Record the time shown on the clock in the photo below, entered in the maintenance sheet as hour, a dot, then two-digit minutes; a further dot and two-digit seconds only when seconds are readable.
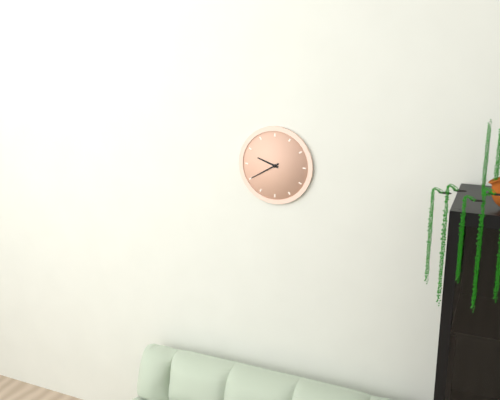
9.40
